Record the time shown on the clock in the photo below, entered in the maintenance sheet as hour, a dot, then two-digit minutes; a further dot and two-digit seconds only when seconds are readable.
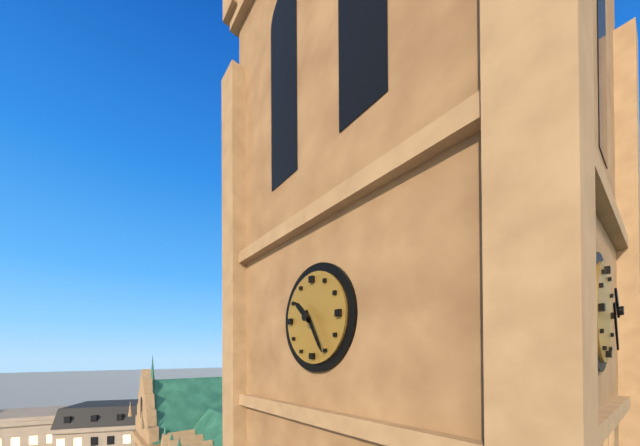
10.25
